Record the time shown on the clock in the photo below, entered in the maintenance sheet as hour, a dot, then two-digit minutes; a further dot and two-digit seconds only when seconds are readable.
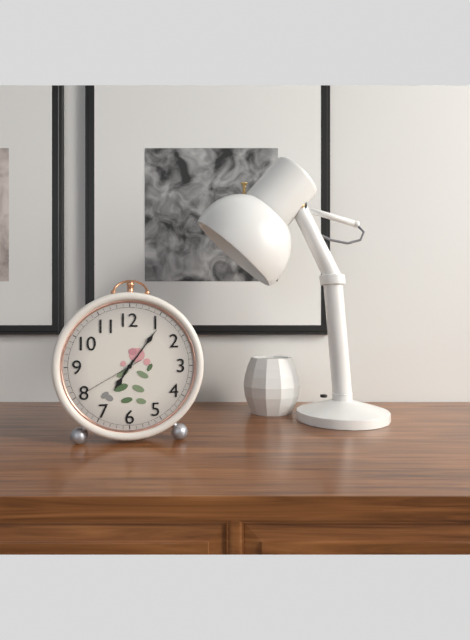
7.06.40
